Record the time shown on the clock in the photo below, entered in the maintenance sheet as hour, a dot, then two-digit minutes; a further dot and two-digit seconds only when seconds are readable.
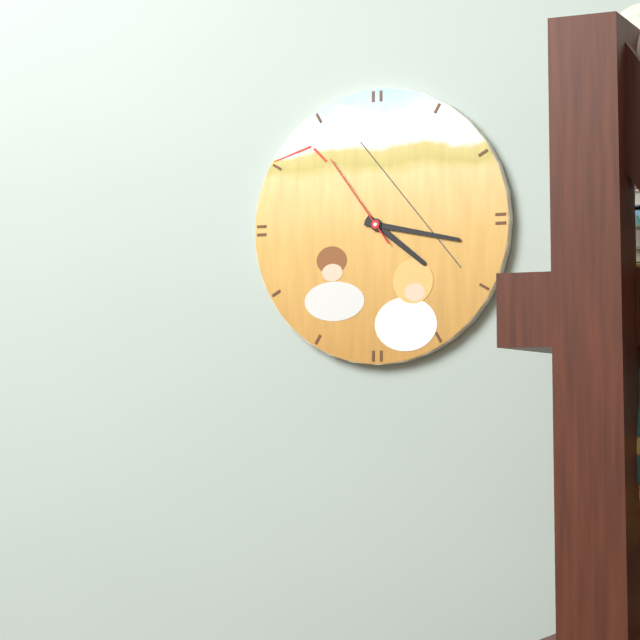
4.17.54
